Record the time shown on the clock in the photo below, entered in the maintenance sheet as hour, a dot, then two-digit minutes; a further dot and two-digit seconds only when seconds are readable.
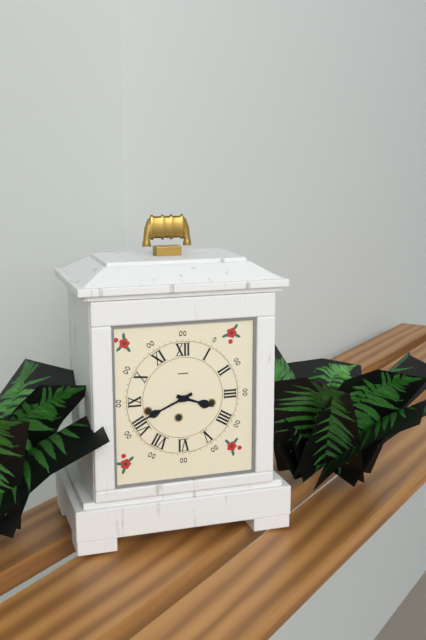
3.41
